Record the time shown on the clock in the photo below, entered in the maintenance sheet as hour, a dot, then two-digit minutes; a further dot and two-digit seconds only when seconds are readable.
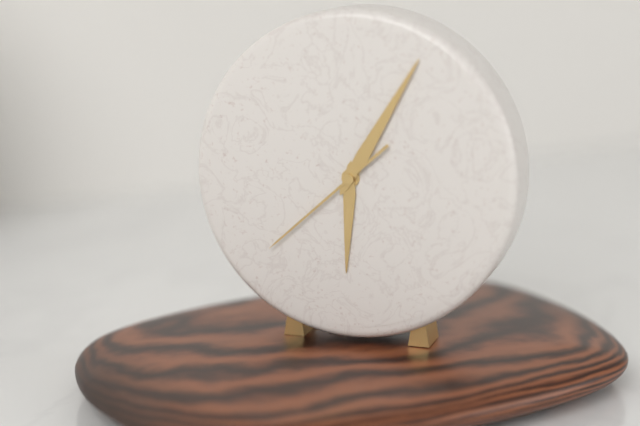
6.05.38
